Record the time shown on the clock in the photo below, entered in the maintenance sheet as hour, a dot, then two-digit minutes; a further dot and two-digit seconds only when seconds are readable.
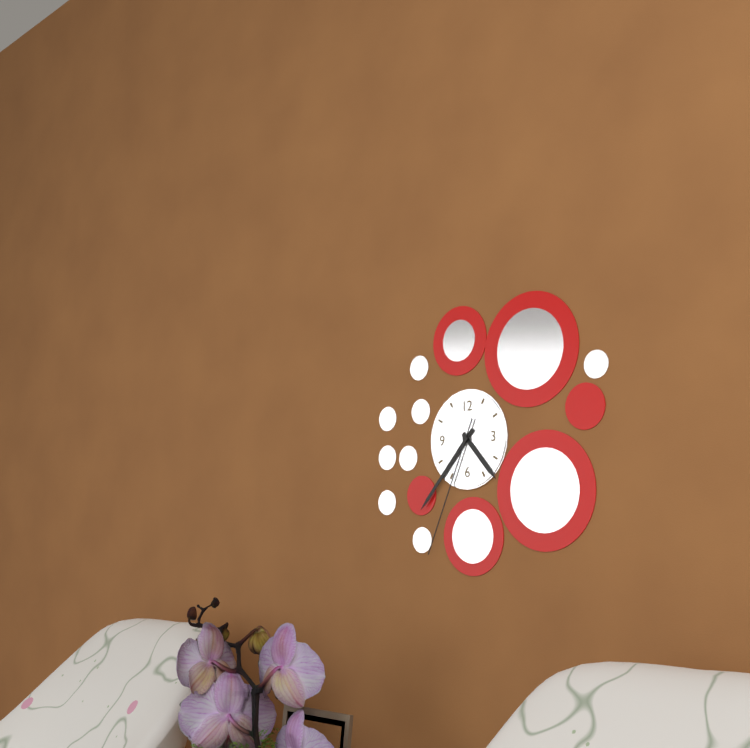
4.37.34
